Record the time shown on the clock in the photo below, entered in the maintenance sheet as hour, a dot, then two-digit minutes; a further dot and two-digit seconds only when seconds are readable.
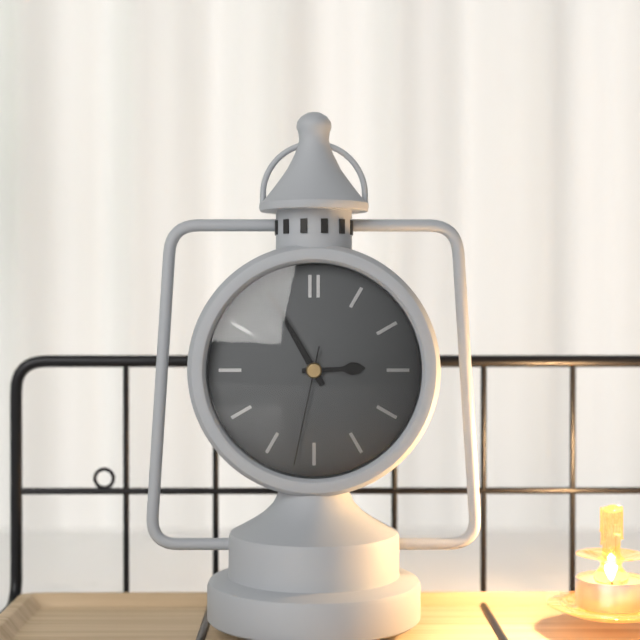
2.55.32
